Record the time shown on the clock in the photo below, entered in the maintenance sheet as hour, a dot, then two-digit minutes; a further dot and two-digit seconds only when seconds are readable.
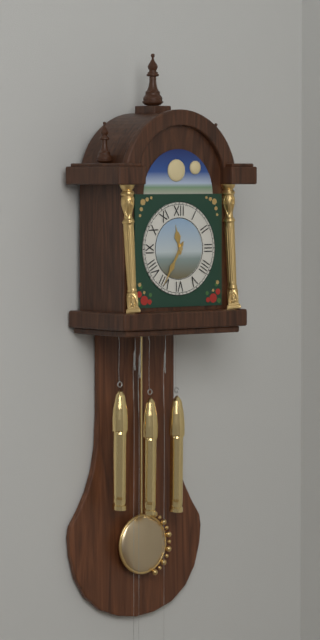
11.35
